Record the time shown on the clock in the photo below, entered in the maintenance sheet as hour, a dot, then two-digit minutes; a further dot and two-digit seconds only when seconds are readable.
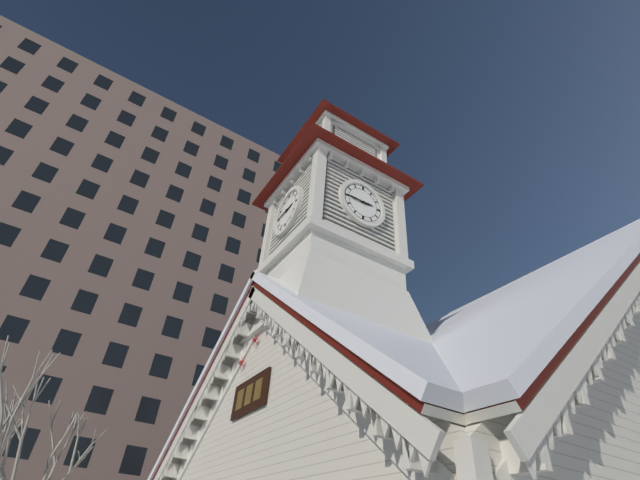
2.45
